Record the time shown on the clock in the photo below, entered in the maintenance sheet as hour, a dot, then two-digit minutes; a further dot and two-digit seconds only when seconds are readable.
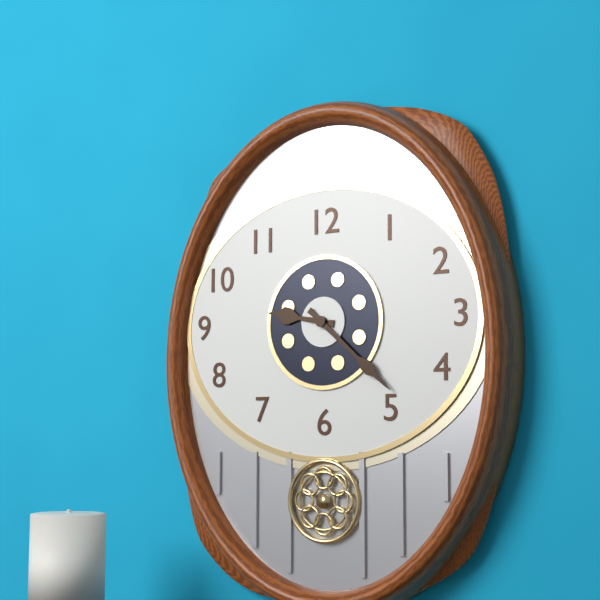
9.22
